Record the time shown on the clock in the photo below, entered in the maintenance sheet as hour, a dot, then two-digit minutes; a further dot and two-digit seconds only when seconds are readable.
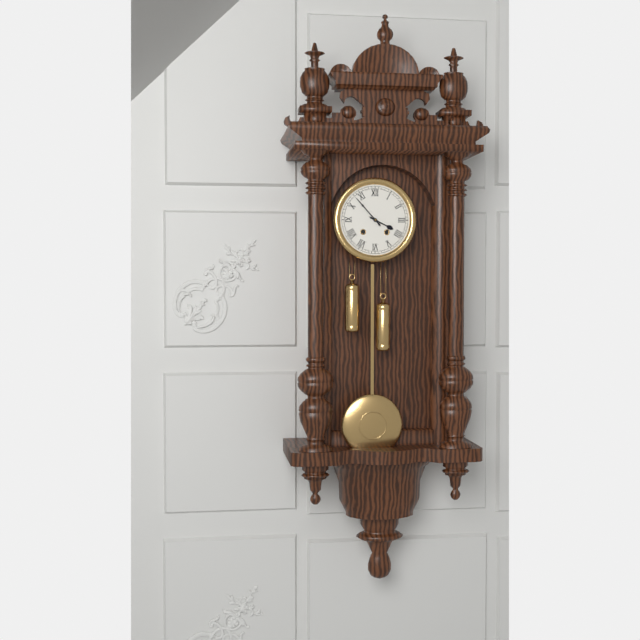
3.53
